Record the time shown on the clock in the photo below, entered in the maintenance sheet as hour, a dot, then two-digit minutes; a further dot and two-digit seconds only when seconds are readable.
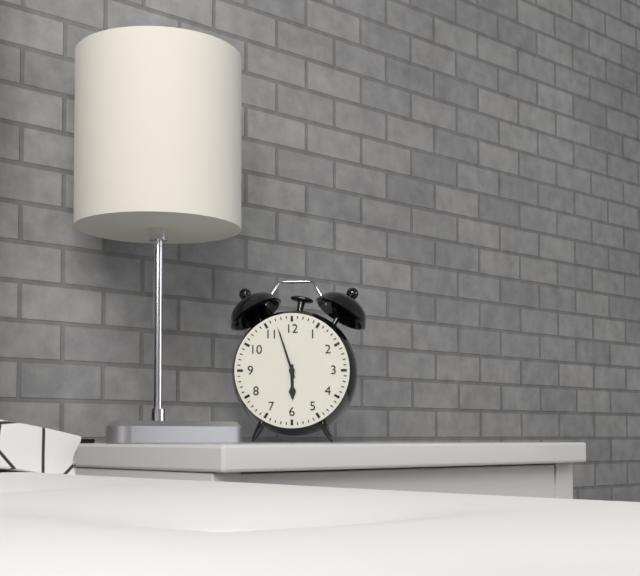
5.57
